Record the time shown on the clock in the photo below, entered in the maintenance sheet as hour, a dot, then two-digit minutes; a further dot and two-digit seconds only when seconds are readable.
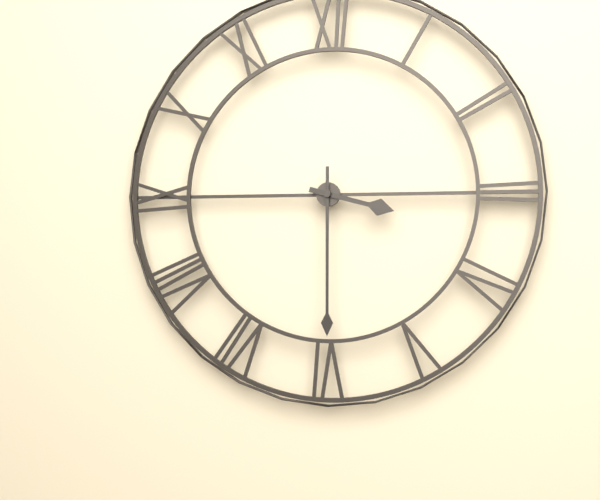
3.30
